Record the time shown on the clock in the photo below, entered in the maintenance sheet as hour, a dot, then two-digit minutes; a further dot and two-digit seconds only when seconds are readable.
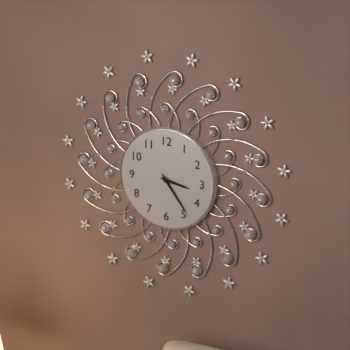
3.24
